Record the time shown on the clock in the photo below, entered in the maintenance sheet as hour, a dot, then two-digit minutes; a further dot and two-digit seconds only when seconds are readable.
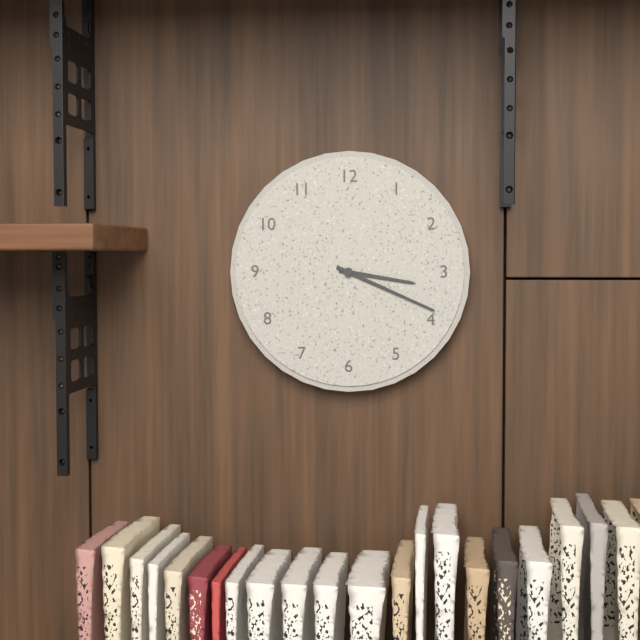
3.19
